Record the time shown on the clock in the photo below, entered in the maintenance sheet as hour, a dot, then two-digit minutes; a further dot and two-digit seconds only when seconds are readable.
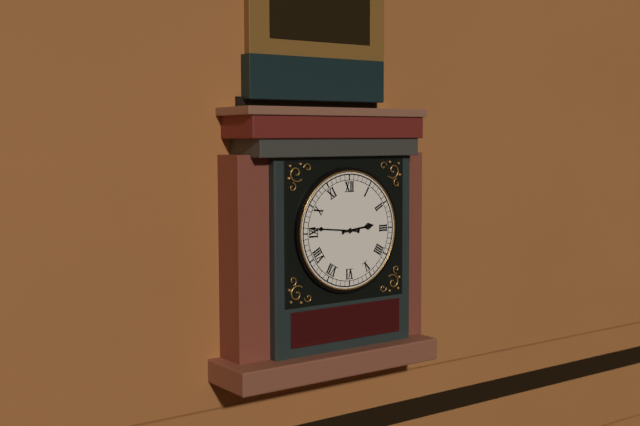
2.46
